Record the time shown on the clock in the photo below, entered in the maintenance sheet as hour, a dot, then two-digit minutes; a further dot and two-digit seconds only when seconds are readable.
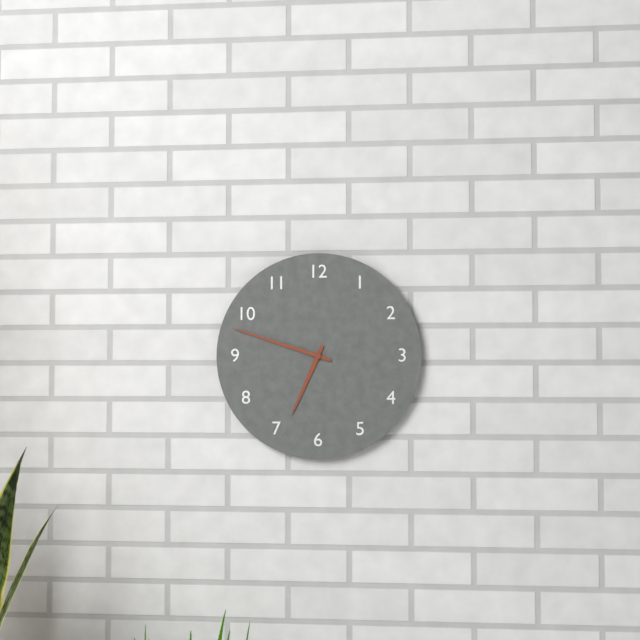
6.48
